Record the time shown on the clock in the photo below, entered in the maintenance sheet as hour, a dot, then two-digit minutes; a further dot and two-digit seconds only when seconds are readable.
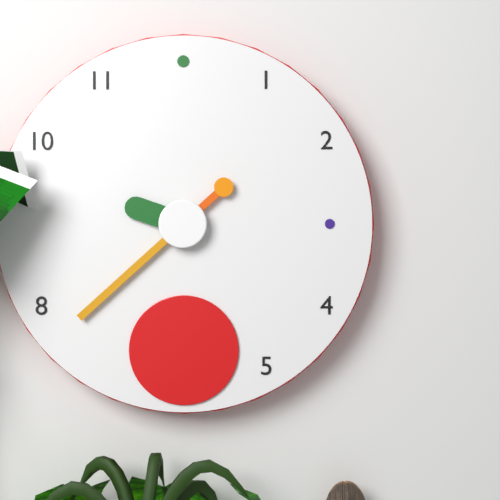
9.38
